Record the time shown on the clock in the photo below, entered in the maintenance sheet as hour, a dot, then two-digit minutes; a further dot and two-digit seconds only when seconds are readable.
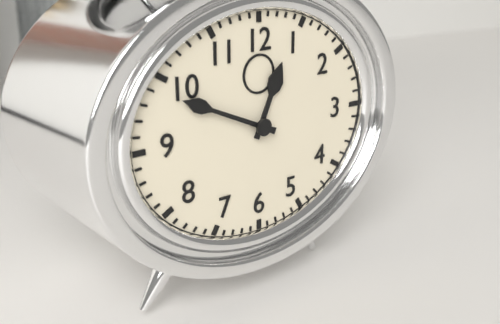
12.49
